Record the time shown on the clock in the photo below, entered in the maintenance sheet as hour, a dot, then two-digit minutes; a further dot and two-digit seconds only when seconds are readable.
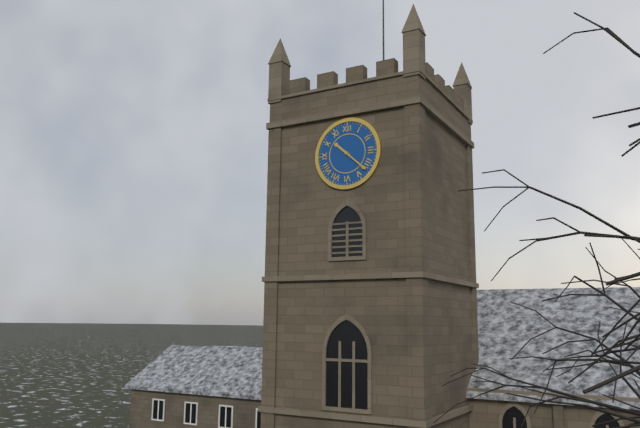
10.22
